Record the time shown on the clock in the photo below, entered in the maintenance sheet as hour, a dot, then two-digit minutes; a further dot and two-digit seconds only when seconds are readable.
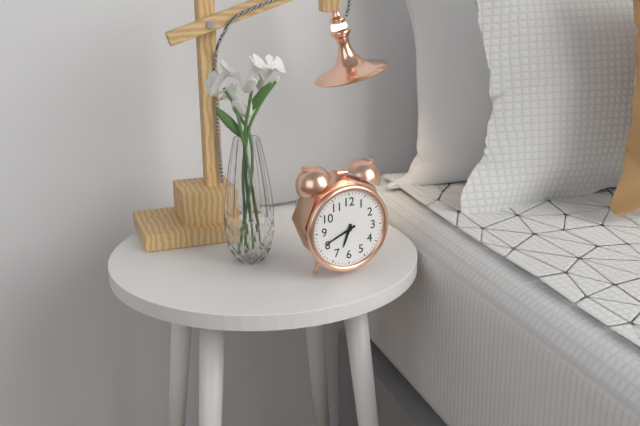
6.41
